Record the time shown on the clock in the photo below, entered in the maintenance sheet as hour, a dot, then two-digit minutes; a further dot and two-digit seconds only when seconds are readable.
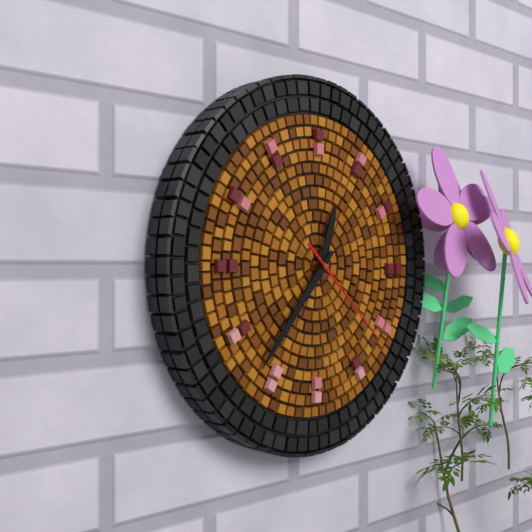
12.37.22
